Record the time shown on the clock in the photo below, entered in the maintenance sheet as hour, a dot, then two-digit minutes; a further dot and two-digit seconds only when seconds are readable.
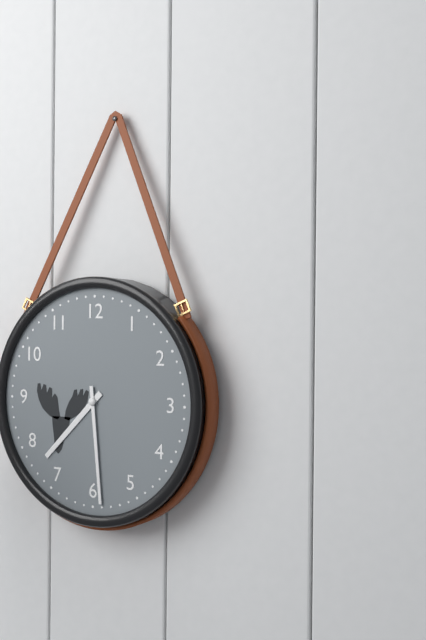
7.29
